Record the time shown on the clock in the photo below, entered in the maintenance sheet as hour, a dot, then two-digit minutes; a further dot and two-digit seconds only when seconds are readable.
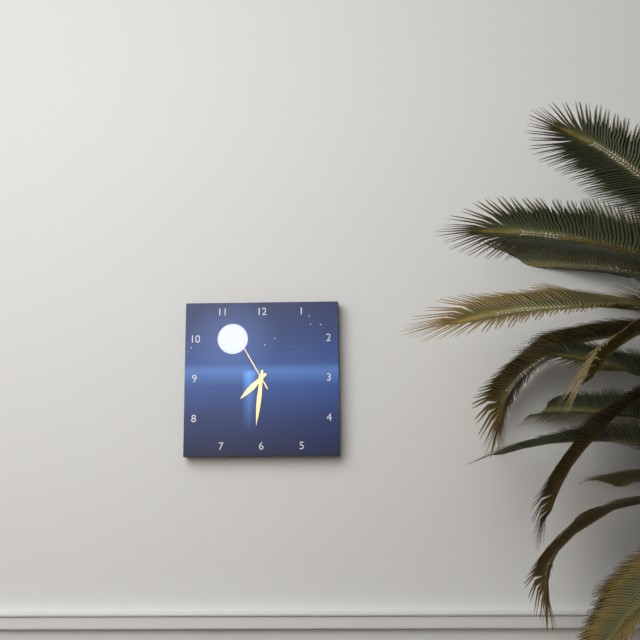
7.31.55
